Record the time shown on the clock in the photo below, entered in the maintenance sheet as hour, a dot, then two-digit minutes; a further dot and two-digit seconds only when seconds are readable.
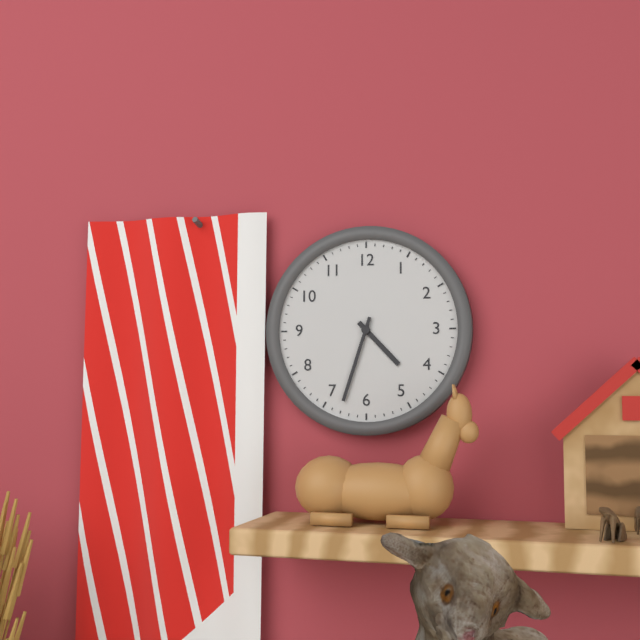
4.33
